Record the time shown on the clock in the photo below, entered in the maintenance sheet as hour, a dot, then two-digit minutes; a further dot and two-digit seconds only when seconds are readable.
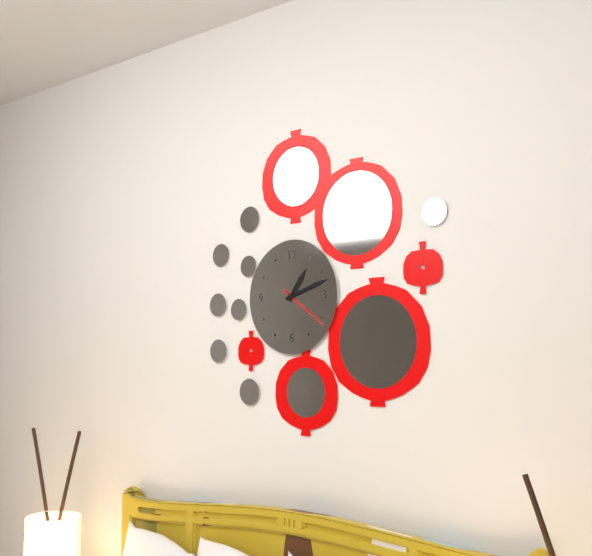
1.12.21
